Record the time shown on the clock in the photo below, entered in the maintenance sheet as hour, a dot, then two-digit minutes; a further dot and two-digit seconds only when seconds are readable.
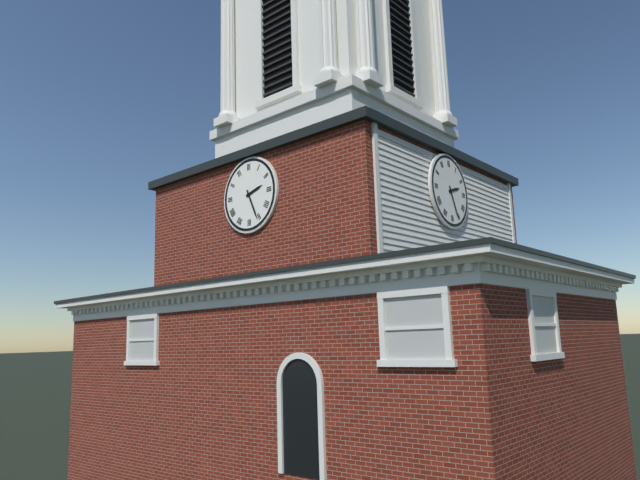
2.26
